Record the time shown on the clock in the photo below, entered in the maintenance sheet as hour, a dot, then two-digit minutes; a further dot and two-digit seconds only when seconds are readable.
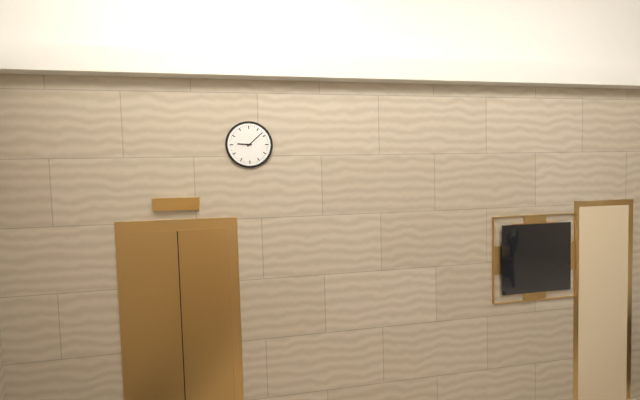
9.08
